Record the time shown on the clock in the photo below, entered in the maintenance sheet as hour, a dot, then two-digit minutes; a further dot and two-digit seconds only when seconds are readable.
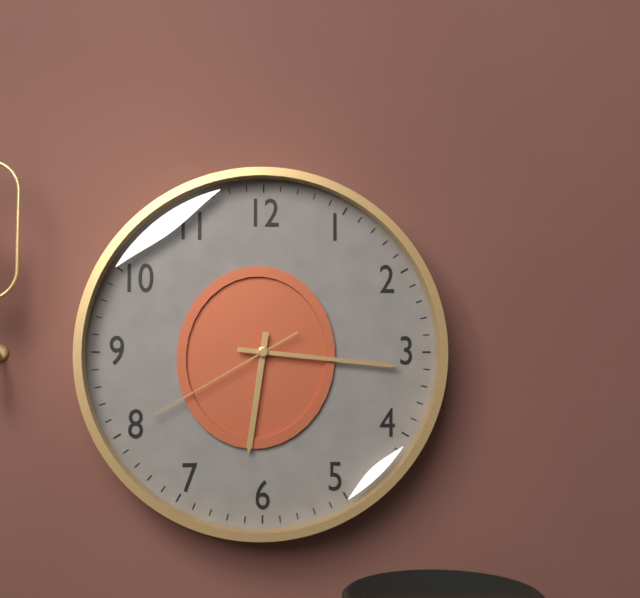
6.16.40
